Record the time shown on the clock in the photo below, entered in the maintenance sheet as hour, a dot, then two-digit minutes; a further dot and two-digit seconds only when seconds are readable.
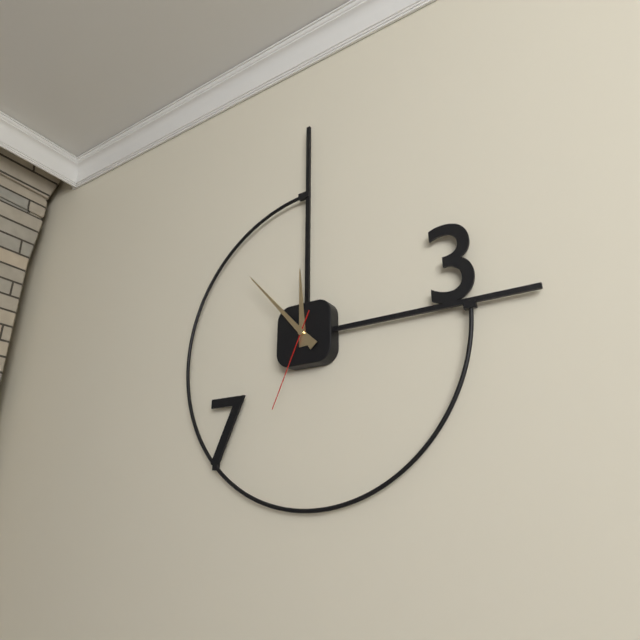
11.53.34
